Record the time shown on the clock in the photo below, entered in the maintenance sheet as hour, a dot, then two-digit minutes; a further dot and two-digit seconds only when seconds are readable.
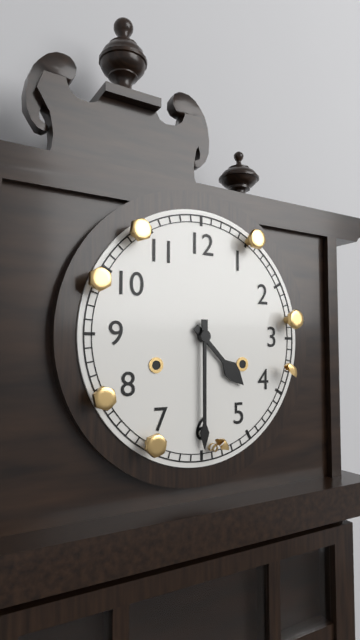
4.30
